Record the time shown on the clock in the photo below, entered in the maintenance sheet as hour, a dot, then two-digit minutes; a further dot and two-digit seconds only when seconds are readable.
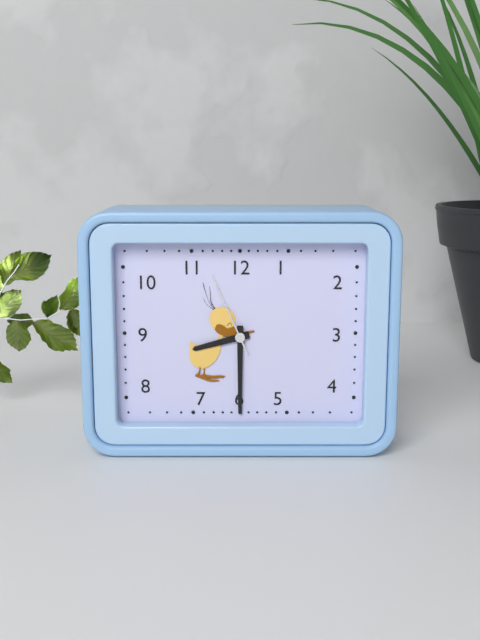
8.30.56
